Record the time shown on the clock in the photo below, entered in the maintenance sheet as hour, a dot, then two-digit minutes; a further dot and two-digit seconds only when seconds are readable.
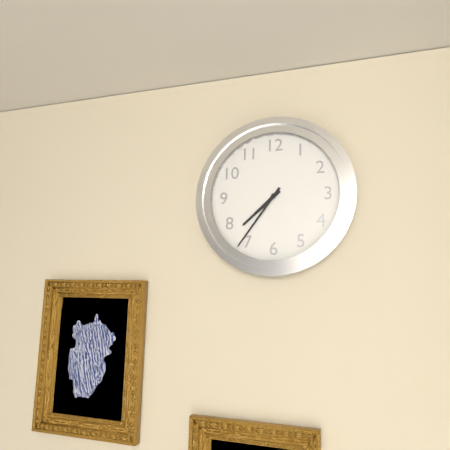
7.36
